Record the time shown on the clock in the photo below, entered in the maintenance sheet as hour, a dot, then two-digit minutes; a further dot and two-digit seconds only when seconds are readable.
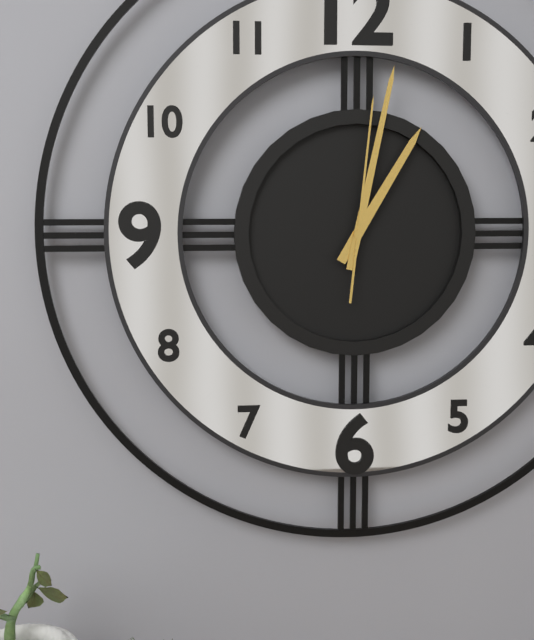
1.02.01
